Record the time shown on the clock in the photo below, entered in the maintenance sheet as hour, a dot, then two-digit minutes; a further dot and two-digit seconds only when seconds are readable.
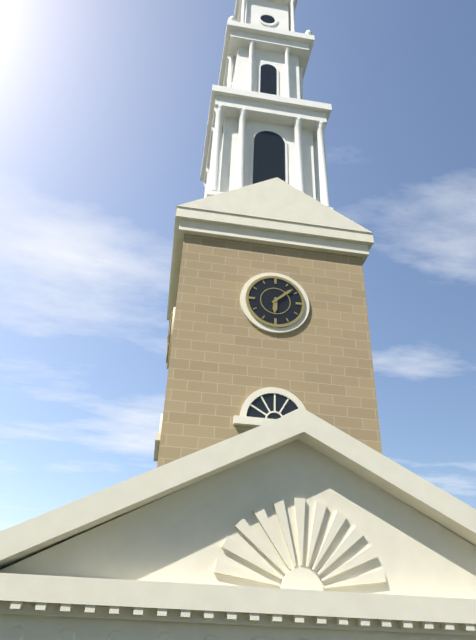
6.08
